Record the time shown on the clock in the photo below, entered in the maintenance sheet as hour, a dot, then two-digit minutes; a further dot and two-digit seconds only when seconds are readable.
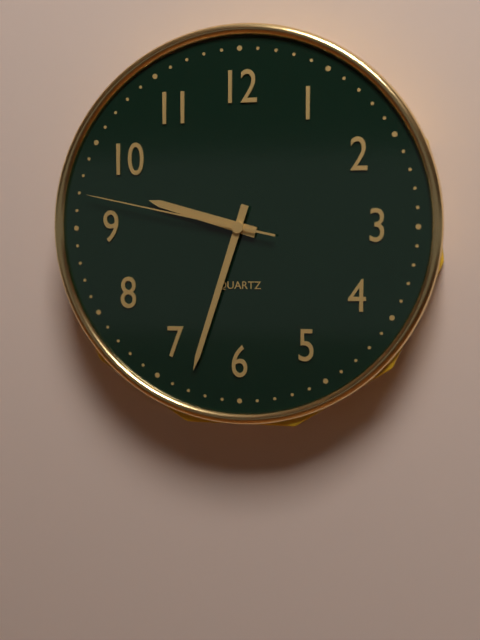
9.33.47
